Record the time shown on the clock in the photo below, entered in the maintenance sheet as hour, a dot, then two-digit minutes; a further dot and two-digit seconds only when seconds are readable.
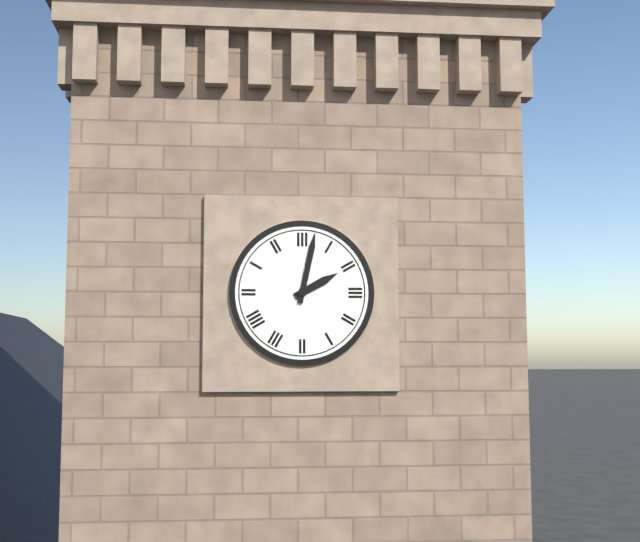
2.02
